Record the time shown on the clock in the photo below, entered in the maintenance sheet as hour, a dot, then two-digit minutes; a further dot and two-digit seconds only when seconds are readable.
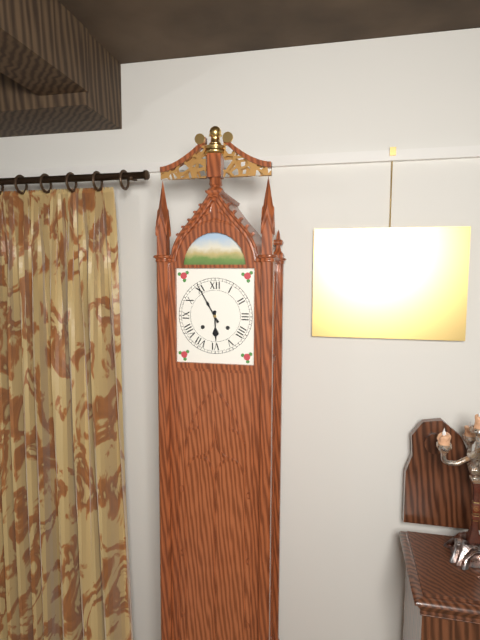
5.55
